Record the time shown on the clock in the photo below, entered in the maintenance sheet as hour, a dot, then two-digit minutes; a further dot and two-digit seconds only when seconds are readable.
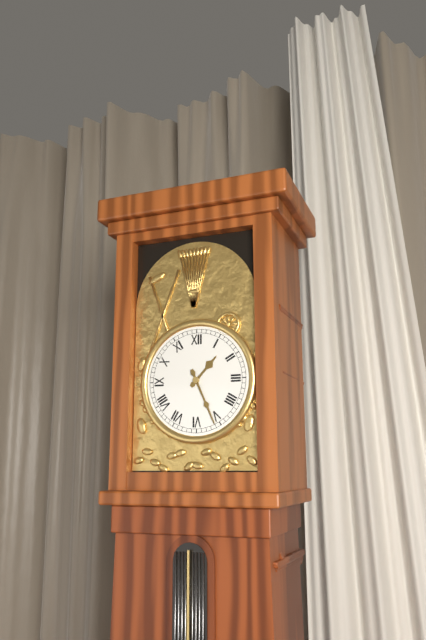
1.26
